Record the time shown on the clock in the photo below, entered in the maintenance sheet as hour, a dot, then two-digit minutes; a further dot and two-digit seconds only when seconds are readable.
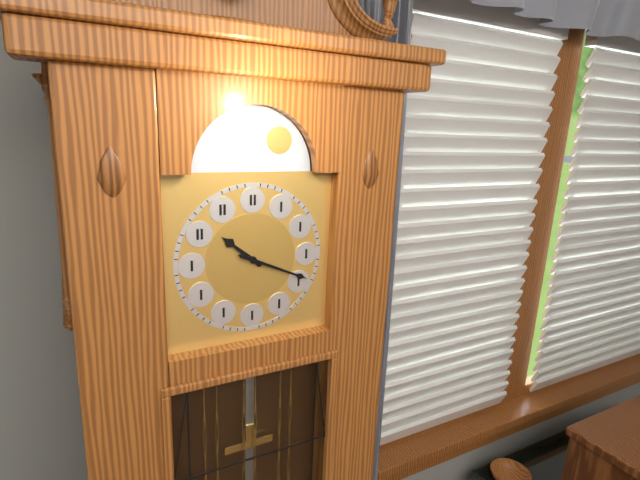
10.19
